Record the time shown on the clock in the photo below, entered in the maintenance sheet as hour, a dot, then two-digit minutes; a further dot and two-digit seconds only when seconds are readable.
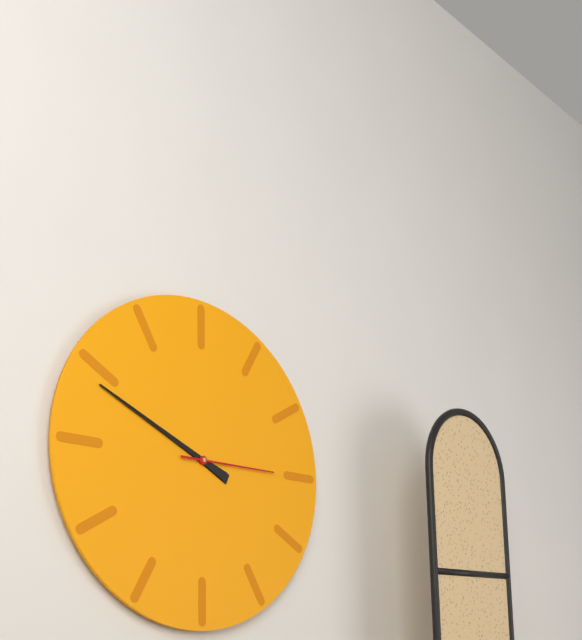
9.49.15
